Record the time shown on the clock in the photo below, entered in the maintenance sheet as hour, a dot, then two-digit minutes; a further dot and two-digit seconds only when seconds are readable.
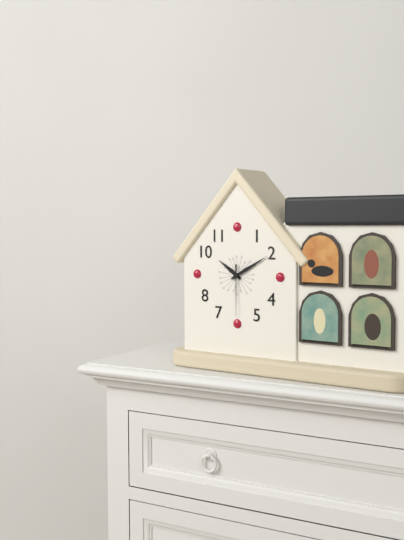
10.10.30
